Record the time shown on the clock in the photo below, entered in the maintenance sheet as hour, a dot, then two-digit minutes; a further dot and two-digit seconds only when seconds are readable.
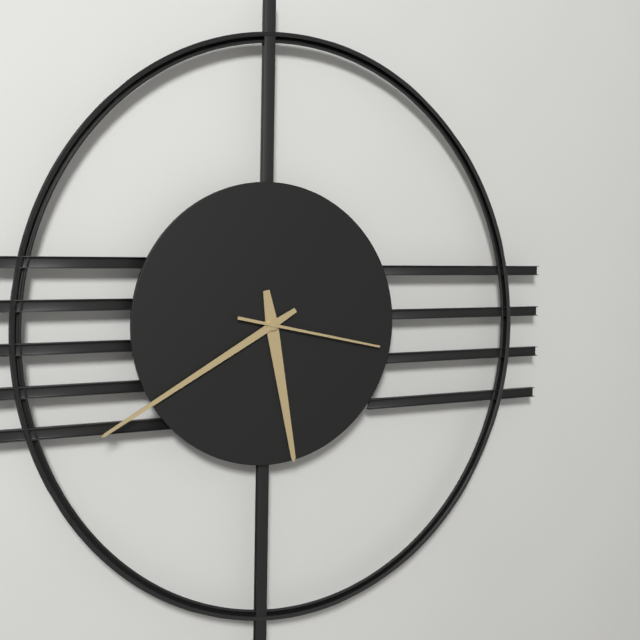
5.40.17
